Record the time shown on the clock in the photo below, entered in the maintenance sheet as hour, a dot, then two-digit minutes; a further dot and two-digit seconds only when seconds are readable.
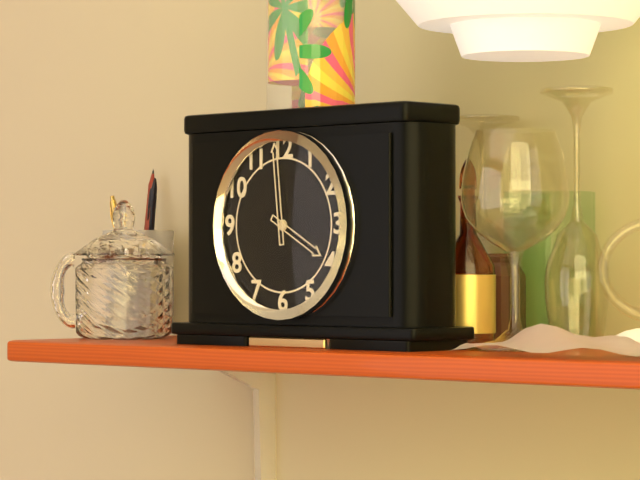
3.59
